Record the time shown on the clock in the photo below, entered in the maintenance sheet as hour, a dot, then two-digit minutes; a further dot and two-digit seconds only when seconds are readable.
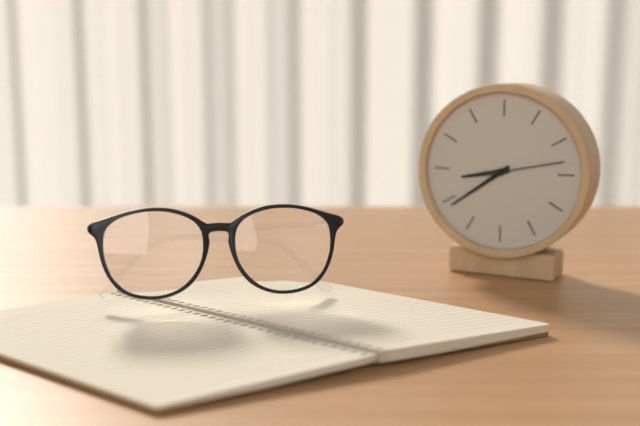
8.39.13
